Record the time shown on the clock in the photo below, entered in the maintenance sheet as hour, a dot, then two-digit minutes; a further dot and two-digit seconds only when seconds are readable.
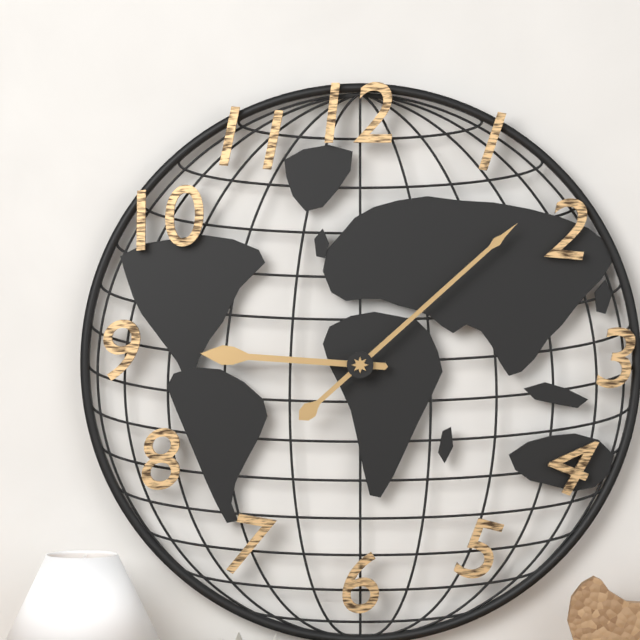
9.08
